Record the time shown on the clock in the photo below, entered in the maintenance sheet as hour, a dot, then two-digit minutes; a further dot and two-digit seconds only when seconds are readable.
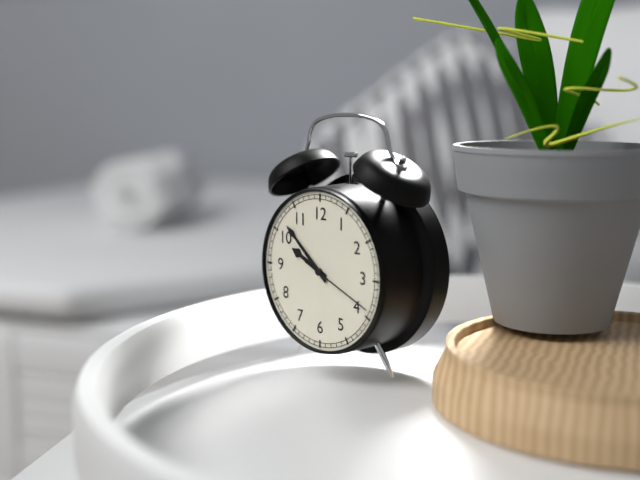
9.52.19
